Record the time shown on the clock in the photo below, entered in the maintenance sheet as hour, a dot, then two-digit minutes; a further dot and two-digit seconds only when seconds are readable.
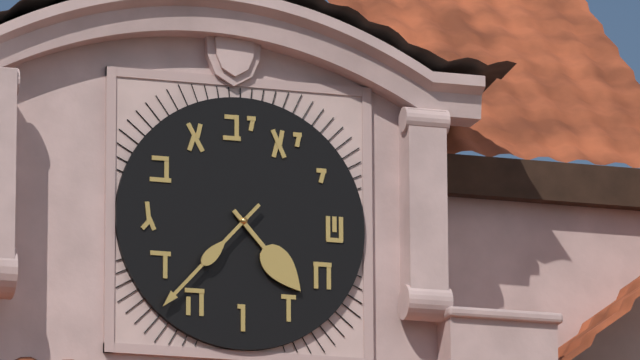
4.37
